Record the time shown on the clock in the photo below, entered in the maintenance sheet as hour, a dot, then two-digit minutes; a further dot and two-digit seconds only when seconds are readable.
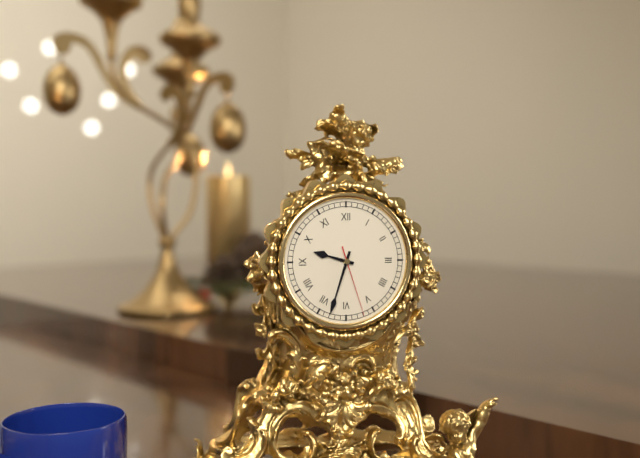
9.33.27
